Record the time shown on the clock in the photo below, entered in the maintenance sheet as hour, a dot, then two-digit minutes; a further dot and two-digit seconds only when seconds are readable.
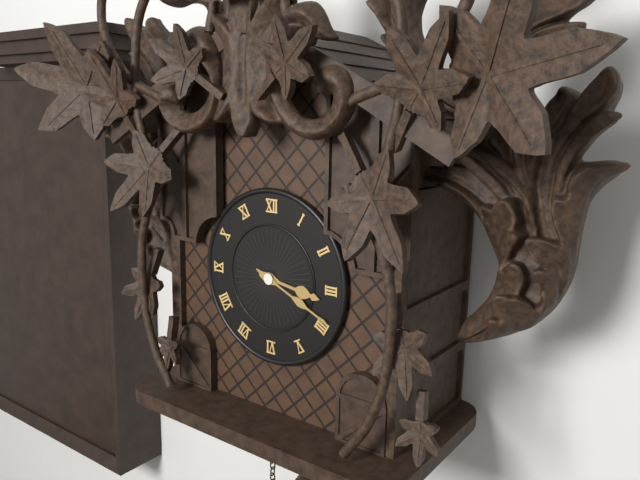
3.19
